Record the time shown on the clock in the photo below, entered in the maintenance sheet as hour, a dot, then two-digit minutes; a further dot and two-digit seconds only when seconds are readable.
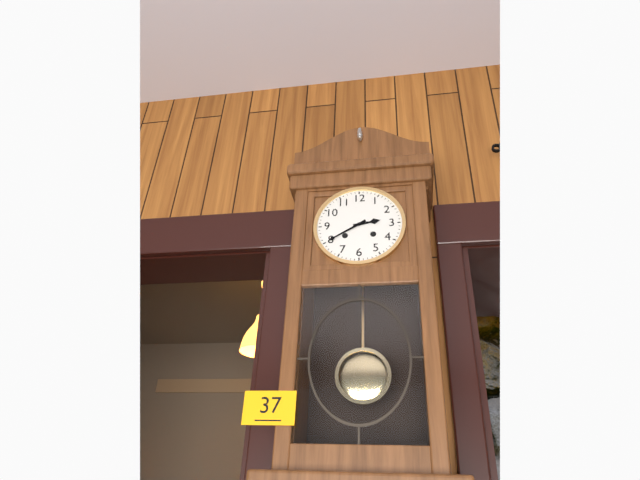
2.40
